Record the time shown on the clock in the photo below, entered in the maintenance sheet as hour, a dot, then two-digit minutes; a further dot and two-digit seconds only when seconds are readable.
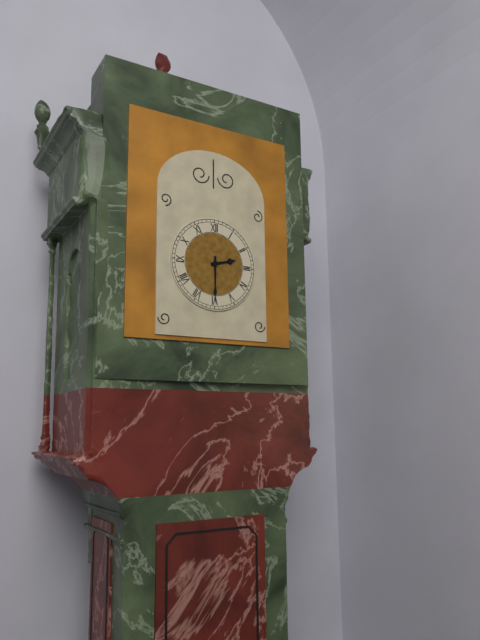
2.30
